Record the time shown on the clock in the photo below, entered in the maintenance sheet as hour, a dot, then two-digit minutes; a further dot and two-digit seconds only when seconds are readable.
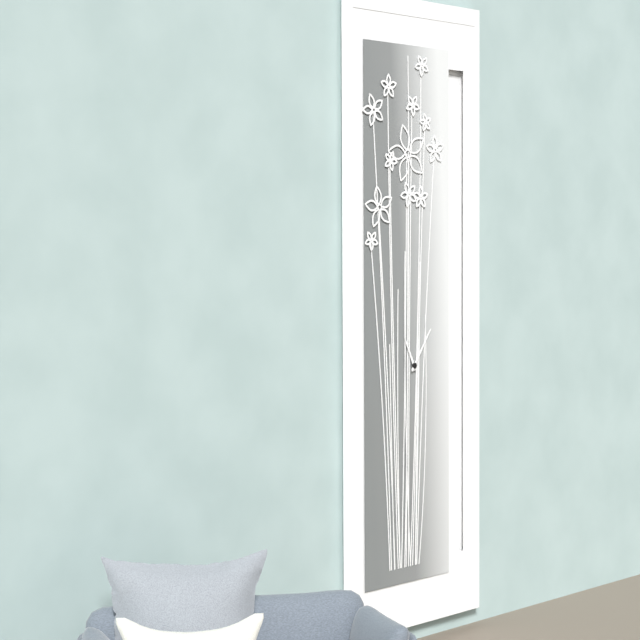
11.06
